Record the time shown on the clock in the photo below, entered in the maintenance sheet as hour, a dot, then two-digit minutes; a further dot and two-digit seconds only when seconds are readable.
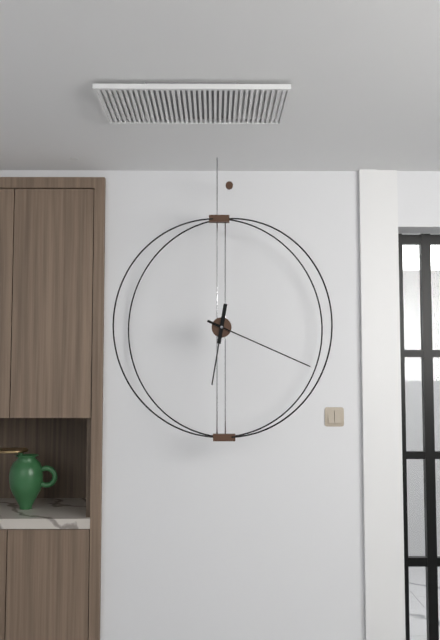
6.19
